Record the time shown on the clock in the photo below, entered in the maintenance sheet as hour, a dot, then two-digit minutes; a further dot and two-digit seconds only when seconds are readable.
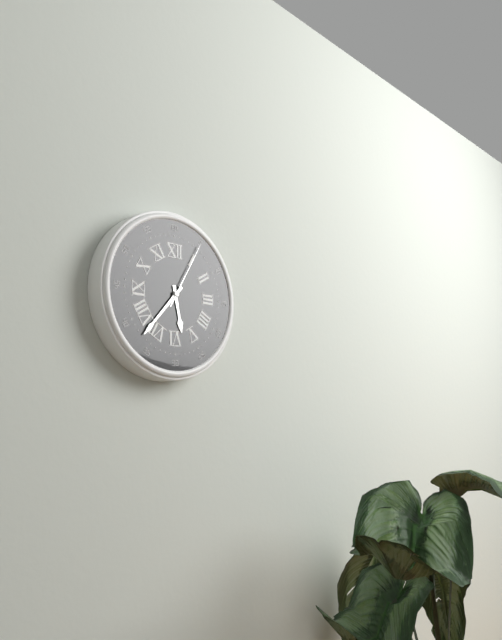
5.37.05
